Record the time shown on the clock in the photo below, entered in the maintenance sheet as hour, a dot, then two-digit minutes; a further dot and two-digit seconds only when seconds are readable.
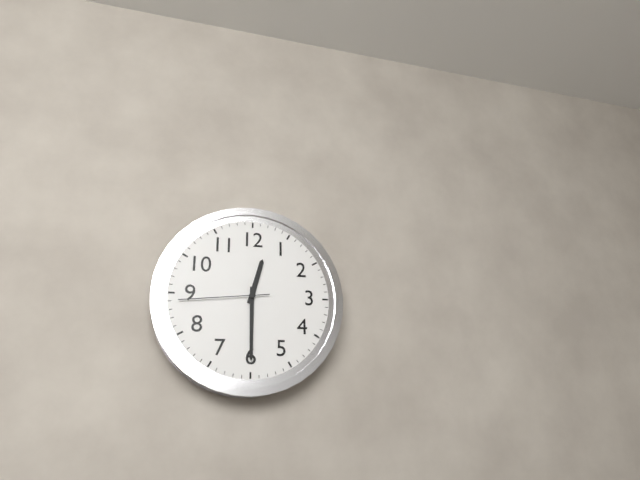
12.30.44
